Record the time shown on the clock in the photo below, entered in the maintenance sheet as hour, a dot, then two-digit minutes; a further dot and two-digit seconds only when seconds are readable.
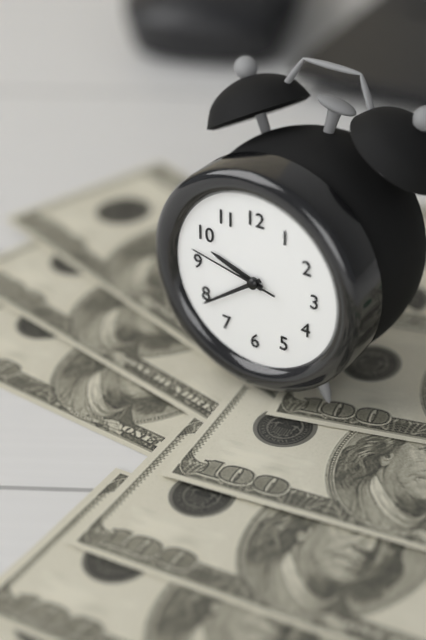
9.39.47
